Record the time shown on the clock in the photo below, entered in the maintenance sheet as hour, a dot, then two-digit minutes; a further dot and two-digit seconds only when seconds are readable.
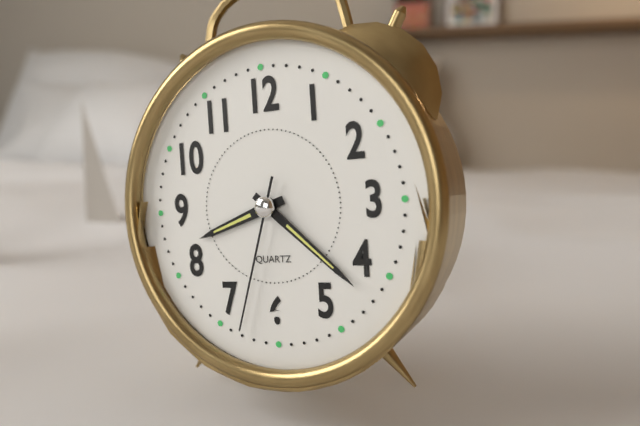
8.22.33
